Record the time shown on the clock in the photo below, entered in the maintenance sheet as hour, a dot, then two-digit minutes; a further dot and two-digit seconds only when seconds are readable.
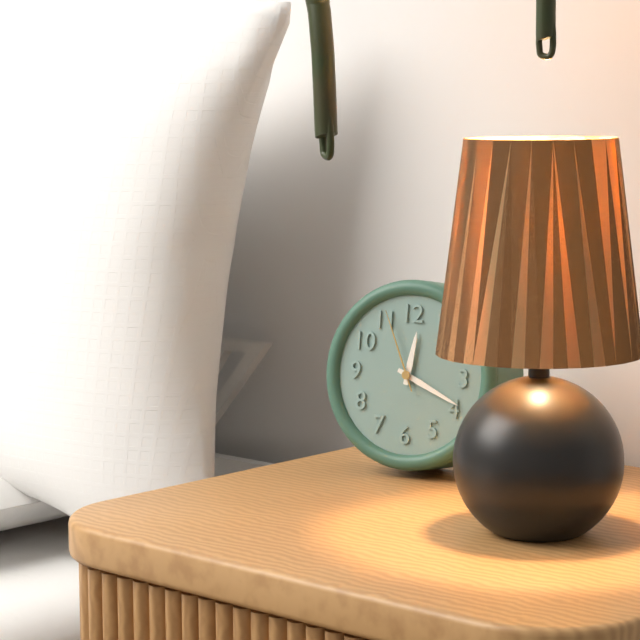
12.19.56
